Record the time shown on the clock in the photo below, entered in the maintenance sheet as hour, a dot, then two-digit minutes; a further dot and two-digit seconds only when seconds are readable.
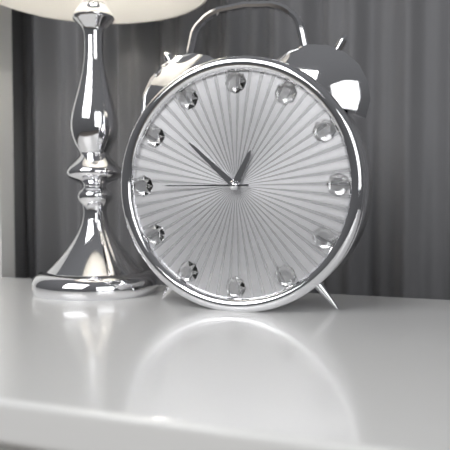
12.52.45
